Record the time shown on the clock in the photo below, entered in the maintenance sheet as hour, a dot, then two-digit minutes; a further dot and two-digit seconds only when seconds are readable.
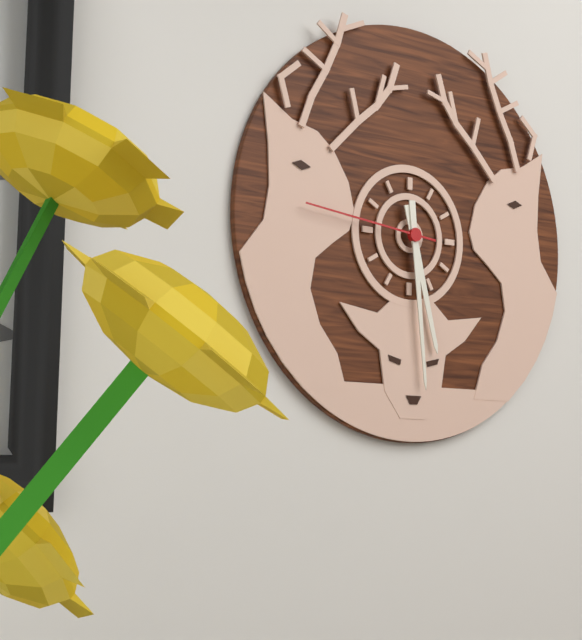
5.29.46
